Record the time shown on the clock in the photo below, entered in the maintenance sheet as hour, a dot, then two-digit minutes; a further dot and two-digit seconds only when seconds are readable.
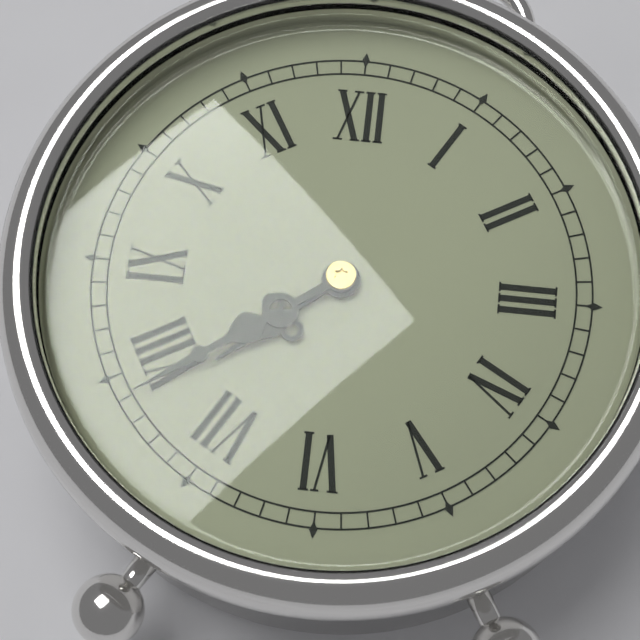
7.39
